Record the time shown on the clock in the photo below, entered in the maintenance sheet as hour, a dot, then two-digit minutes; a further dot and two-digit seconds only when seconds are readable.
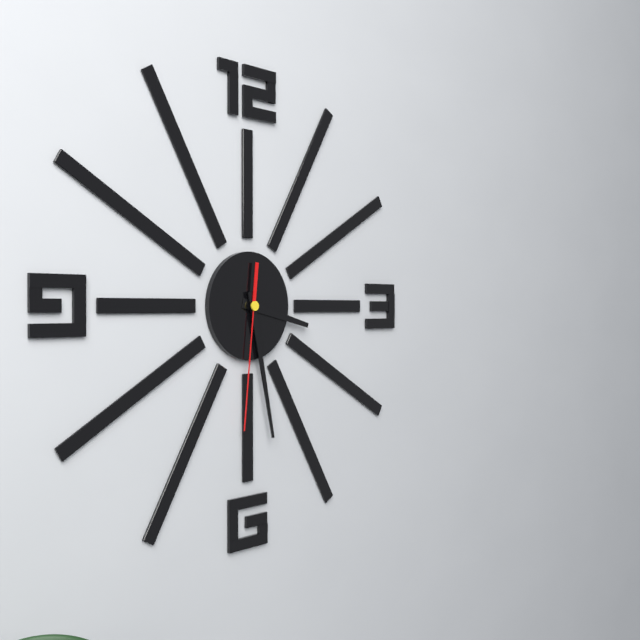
3.28.31
